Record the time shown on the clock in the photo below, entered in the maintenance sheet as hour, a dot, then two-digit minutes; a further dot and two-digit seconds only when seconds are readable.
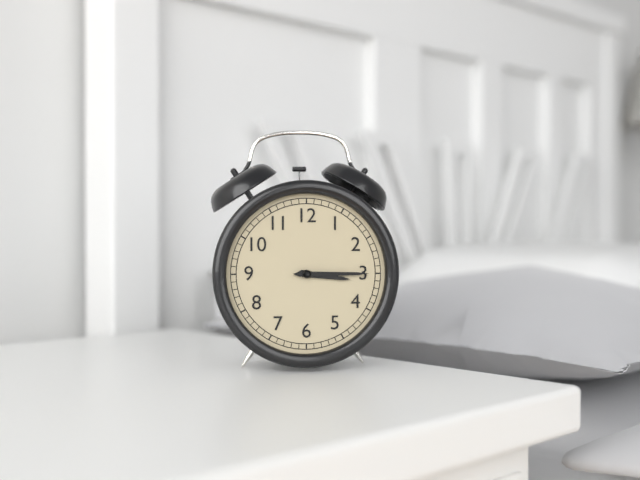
3.15
